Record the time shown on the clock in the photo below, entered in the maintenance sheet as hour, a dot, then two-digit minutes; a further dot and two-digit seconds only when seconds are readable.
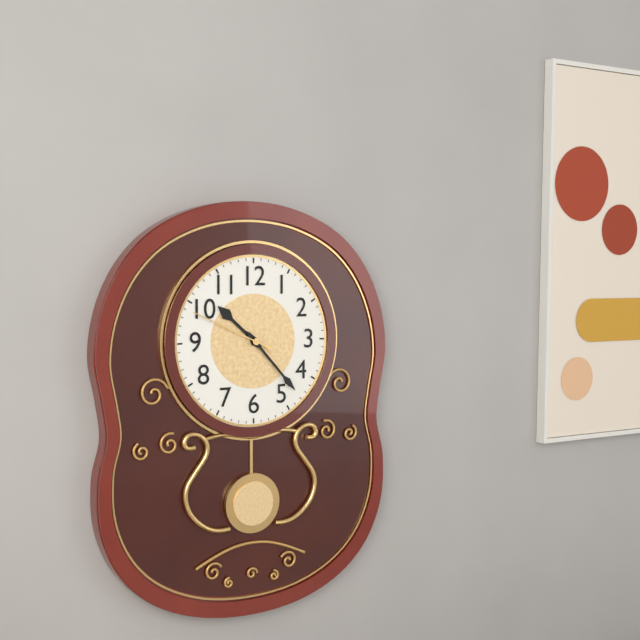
10.23.49
